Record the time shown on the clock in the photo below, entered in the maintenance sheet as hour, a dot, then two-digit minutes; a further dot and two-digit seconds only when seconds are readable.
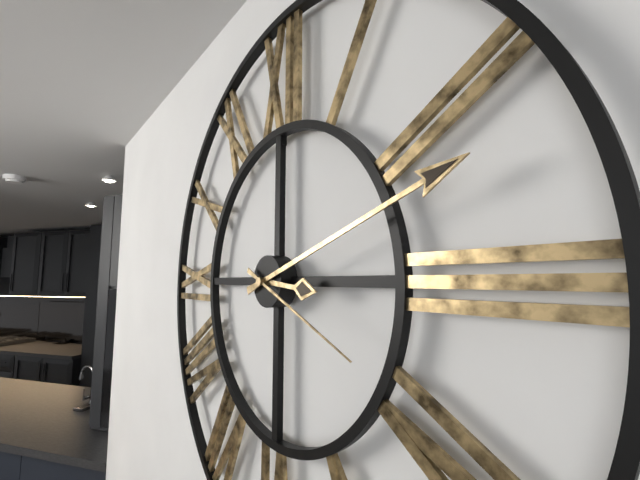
3.12.19
